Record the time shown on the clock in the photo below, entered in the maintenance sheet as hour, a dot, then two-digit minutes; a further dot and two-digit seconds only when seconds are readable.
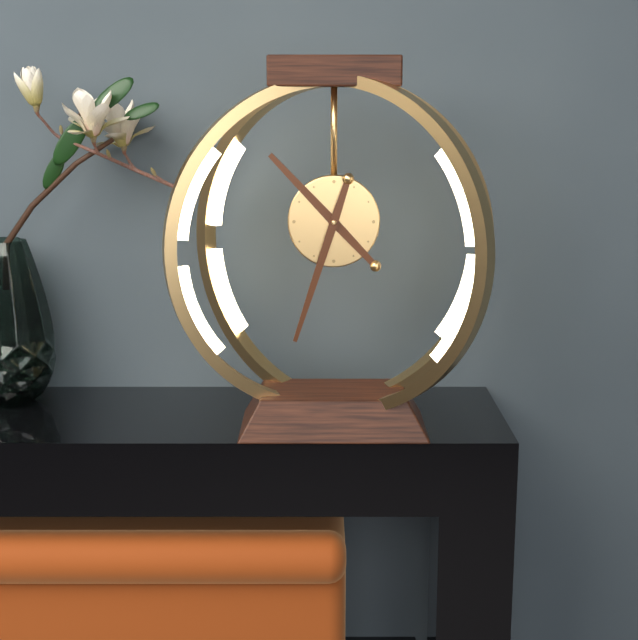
10.33
